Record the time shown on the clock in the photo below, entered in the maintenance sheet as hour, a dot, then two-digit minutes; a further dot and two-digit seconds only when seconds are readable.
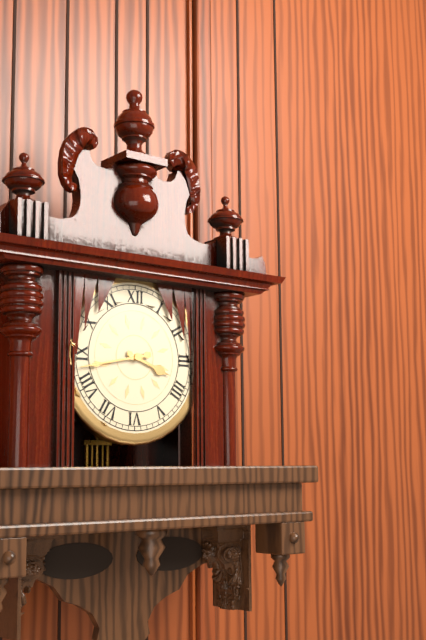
3.43
